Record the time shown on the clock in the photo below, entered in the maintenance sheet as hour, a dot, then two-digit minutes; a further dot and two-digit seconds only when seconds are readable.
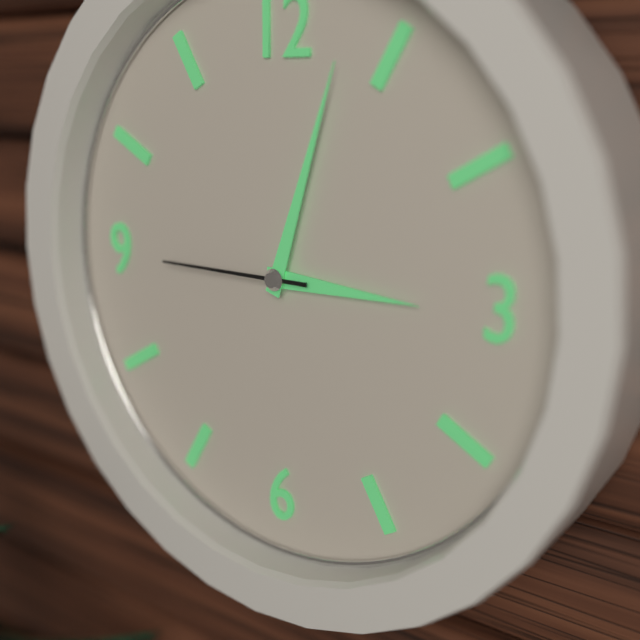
3.03.45
